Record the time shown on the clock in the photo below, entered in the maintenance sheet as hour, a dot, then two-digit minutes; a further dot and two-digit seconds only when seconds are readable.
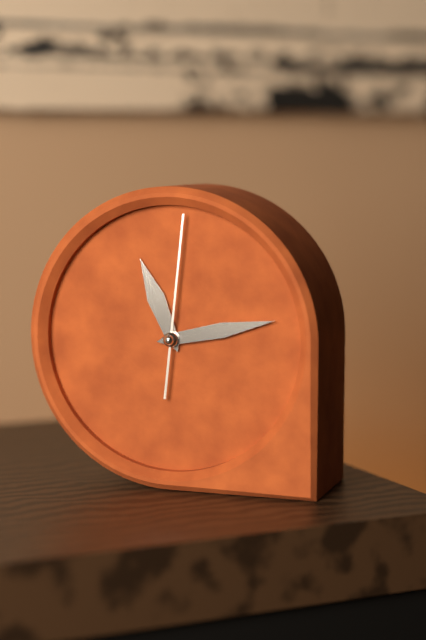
11.13.01
